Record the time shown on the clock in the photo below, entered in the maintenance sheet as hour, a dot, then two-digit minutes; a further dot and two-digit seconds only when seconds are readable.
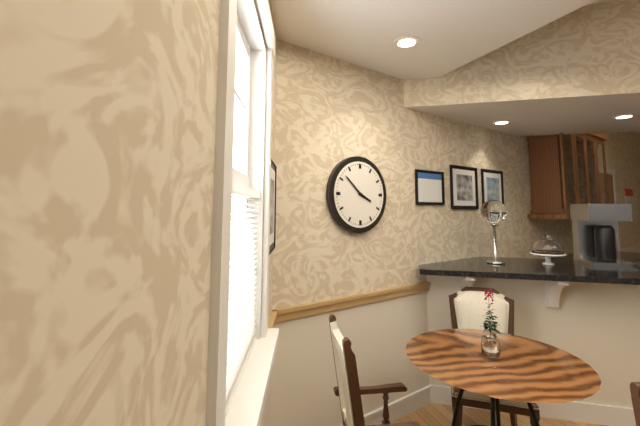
3.52
